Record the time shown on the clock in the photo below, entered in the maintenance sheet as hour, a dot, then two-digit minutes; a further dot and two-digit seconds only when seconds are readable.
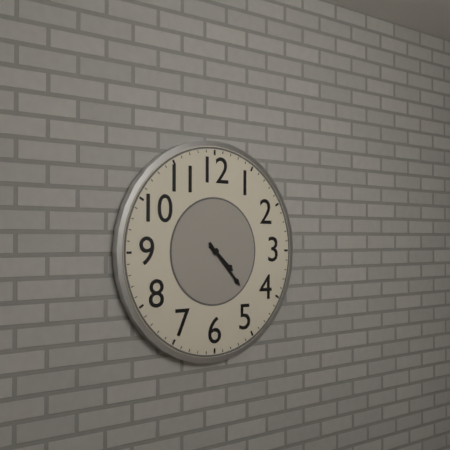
4.23
